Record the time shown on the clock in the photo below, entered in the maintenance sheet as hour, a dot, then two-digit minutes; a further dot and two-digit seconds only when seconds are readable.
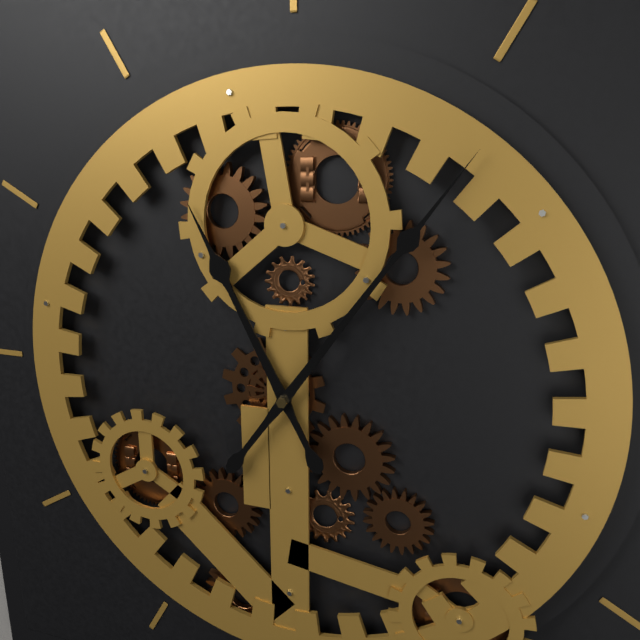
11.06
